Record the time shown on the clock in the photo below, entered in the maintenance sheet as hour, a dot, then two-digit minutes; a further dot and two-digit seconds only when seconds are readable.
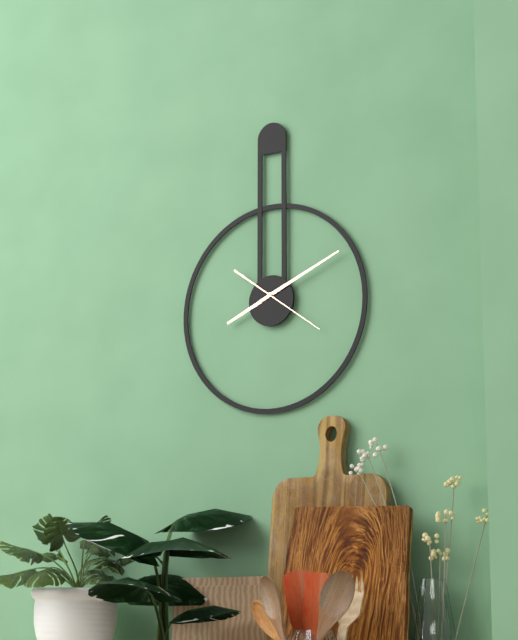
8.11.21
